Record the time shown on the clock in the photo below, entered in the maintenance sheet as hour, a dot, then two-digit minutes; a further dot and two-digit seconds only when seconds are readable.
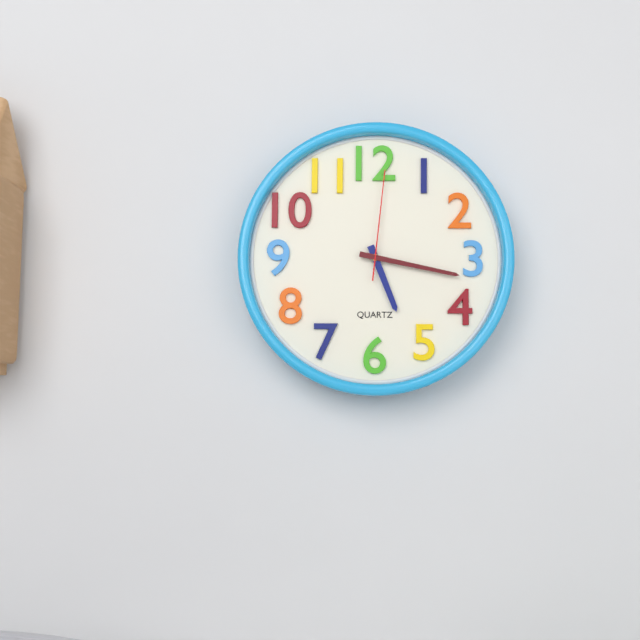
5.17.01
